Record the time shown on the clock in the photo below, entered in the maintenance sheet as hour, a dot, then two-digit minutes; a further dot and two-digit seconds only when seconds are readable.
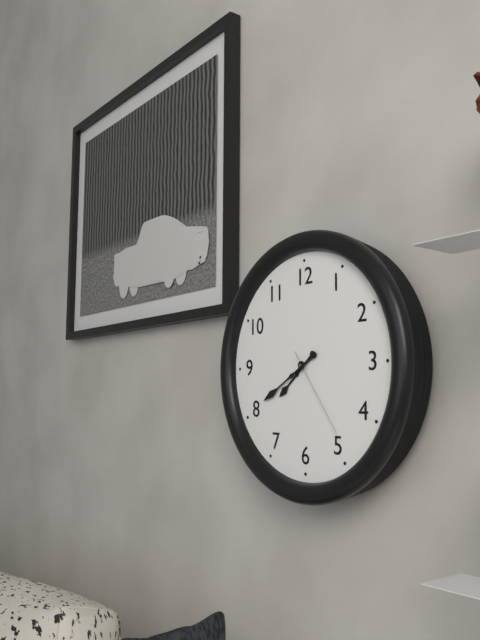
7.40.24
